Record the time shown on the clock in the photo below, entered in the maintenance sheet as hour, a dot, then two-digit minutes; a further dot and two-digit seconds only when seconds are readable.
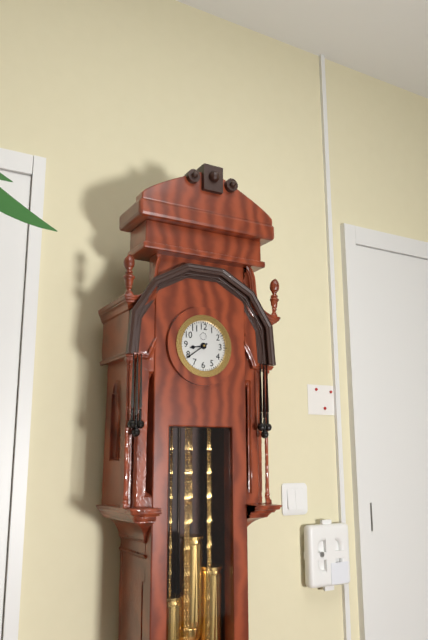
8.39
